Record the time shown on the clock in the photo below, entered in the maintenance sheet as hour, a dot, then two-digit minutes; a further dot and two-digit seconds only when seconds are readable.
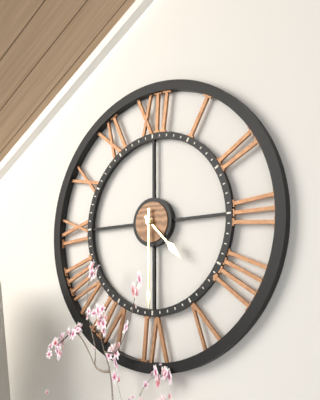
4.30
